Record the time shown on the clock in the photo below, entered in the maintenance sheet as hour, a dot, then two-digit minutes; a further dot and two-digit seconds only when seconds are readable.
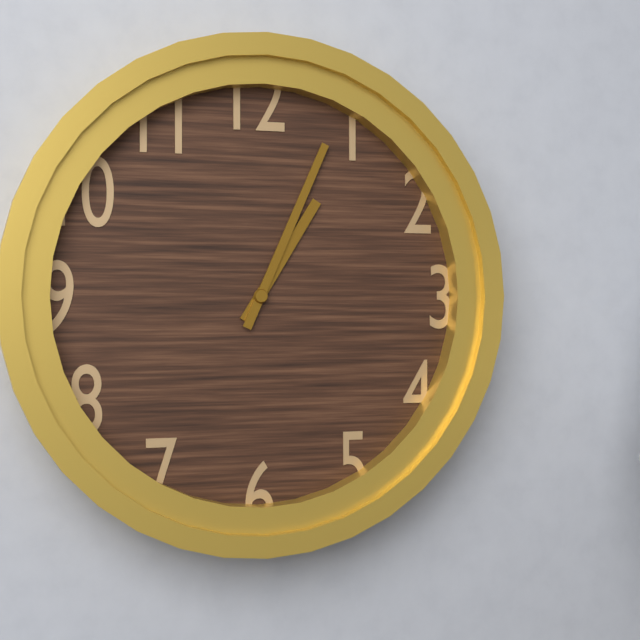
1.04
